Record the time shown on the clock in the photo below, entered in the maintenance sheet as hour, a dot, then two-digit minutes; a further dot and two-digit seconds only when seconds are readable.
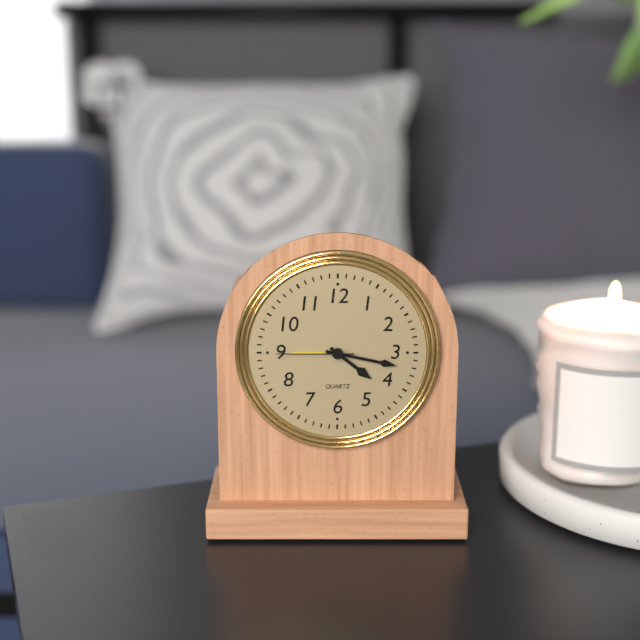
4.17.45
